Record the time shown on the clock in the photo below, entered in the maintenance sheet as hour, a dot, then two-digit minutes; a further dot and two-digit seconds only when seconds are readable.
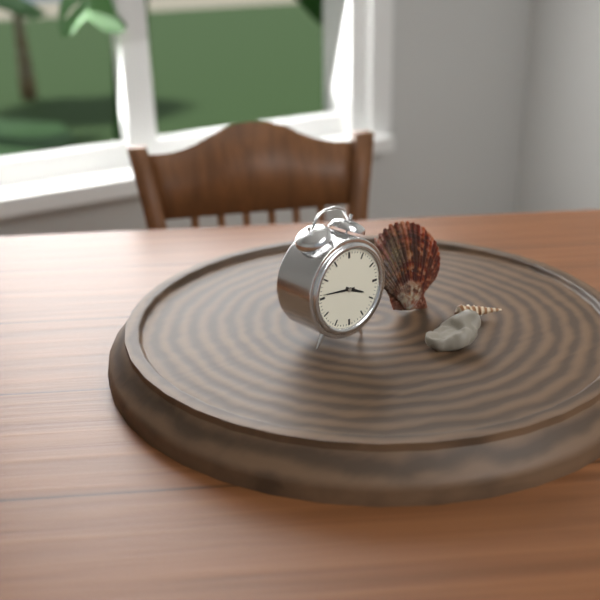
3.46
